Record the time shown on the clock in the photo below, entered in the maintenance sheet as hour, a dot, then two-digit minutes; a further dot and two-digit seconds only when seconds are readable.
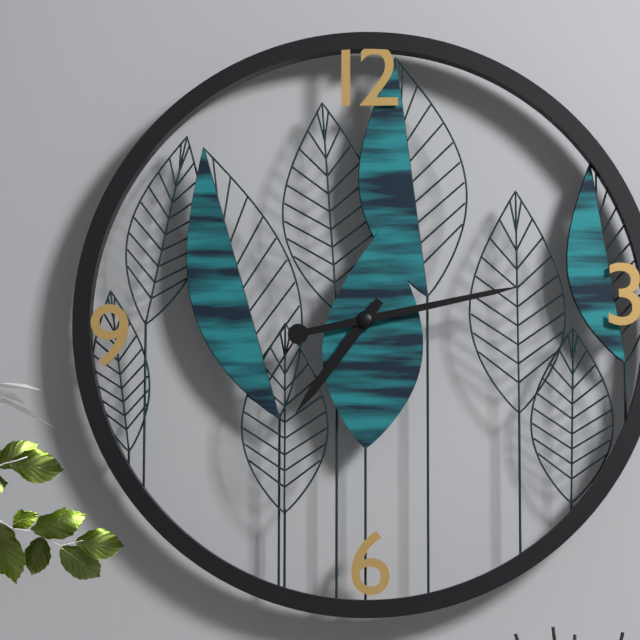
7.13
